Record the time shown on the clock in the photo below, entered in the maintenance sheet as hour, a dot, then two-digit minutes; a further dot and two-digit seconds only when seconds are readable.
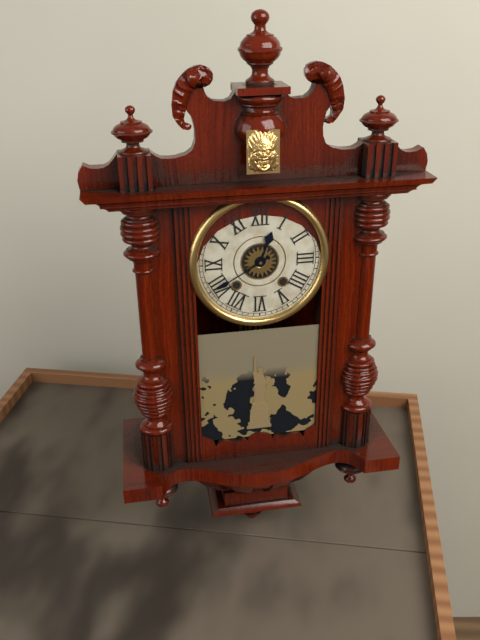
12.40
